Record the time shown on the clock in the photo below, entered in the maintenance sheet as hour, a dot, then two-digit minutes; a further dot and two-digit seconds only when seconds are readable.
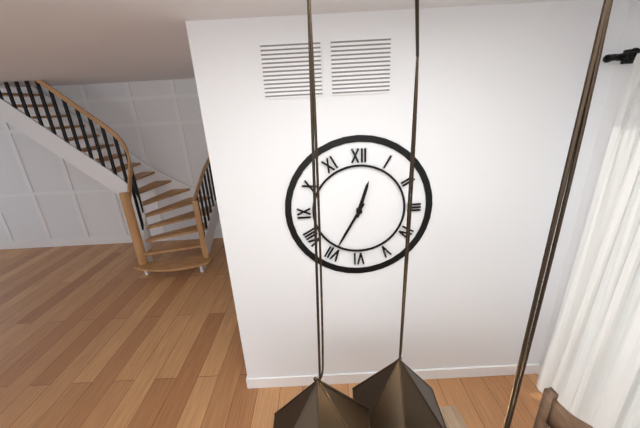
12.35
